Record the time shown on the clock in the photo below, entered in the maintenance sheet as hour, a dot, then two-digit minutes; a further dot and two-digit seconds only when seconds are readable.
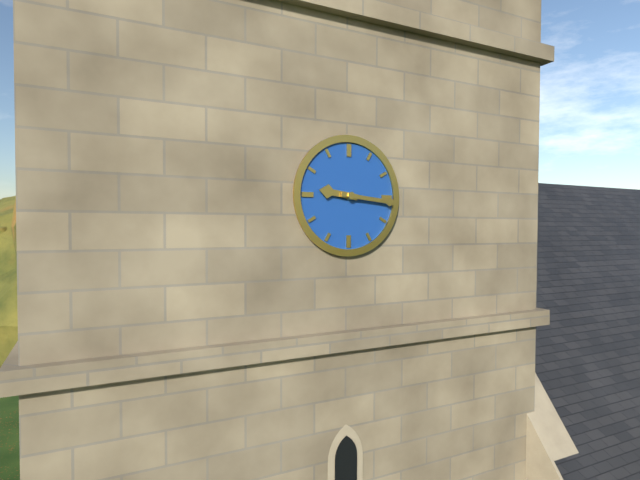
9.16
